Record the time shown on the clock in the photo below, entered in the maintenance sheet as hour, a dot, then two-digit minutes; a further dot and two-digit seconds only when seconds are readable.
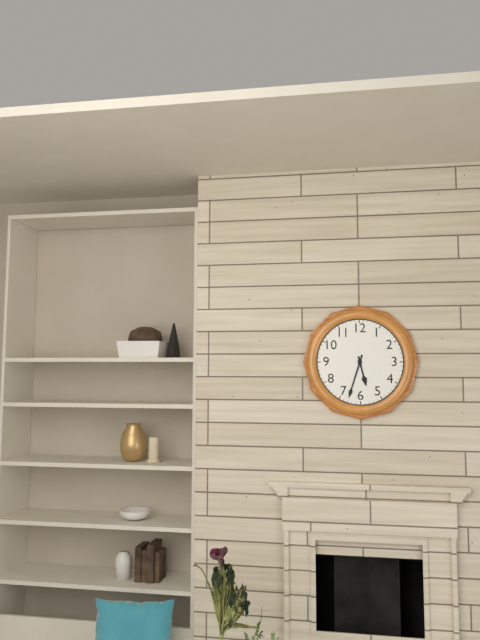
5.33
